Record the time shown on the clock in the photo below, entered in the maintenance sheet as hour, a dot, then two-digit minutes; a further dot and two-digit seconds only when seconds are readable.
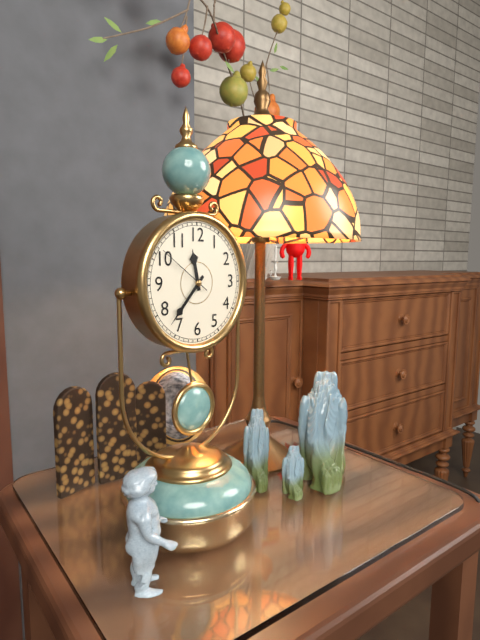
11.37.51
